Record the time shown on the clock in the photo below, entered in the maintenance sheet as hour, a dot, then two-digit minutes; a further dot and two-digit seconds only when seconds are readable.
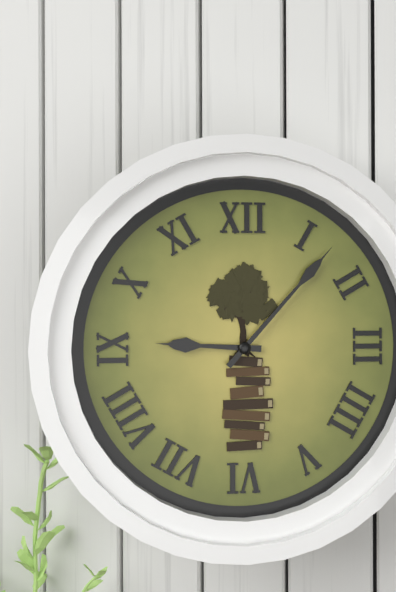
9.07
